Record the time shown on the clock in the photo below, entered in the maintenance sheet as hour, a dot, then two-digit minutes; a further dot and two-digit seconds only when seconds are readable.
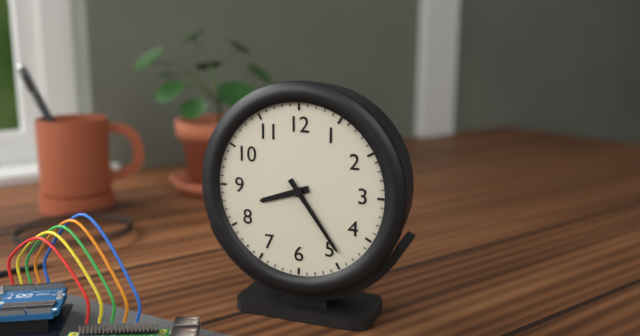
8.24
